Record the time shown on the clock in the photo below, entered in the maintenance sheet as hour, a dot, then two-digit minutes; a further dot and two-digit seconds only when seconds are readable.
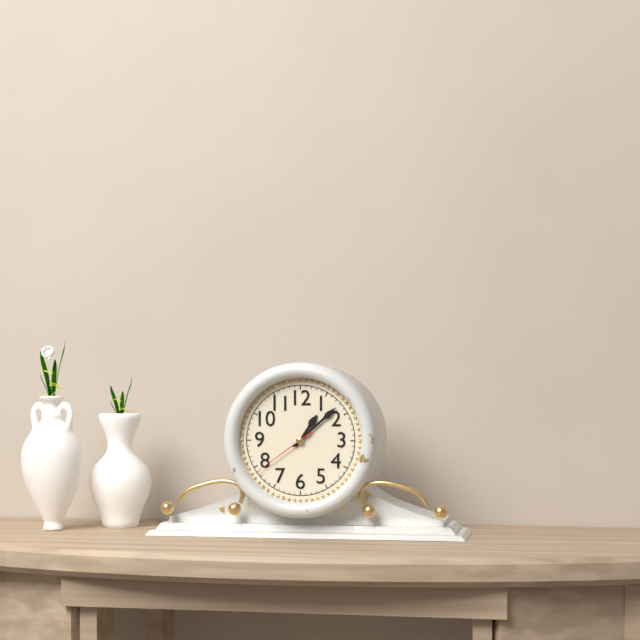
1.08.39
